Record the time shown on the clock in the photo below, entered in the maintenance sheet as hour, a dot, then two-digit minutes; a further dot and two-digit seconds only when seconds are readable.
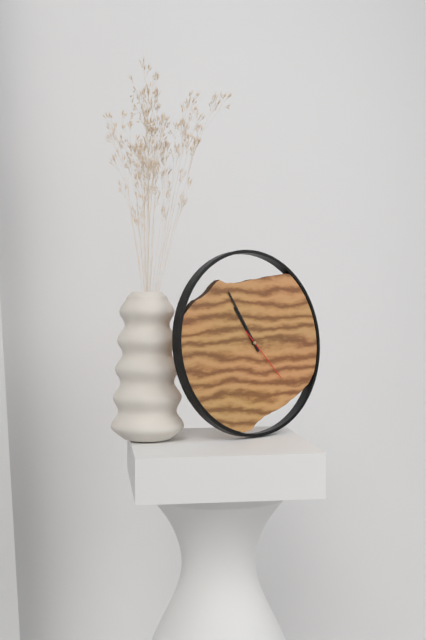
10.55.23
